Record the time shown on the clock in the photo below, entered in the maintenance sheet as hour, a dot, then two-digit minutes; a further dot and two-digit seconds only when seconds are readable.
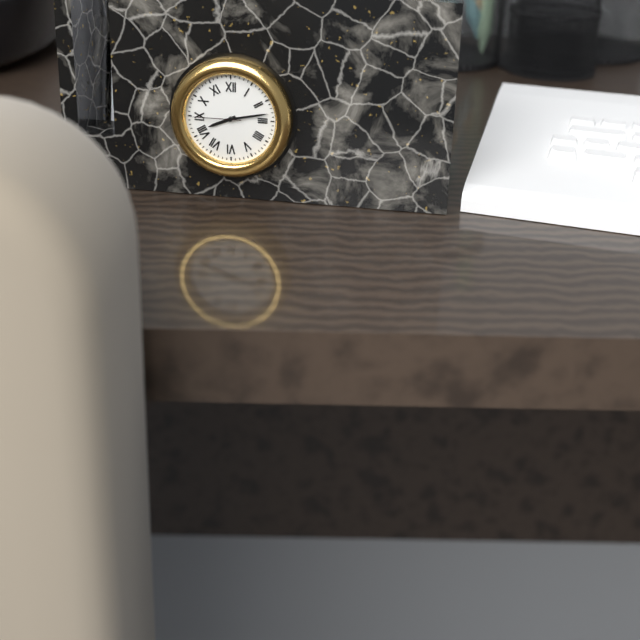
8.13.45
